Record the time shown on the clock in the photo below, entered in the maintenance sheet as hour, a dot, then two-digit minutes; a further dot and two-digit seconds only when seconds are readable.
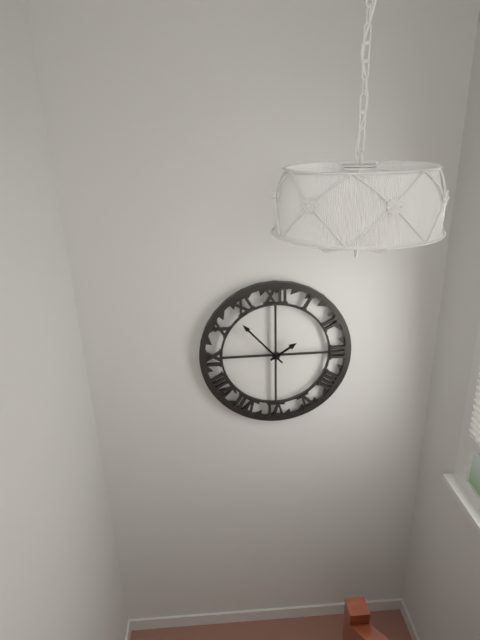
1.53
